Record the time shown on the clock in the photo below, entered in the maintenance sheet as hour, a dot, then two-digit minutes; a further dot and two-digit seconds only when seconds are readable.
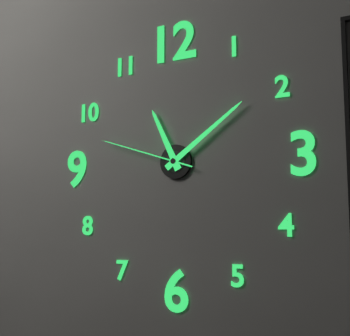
11.09.48
